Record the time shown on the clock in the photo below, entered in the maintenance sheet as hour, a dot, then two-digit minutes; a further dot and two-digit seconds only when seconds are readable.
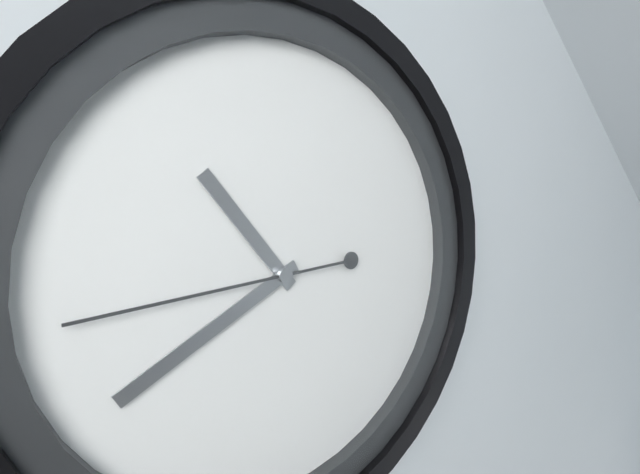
10.40.44
